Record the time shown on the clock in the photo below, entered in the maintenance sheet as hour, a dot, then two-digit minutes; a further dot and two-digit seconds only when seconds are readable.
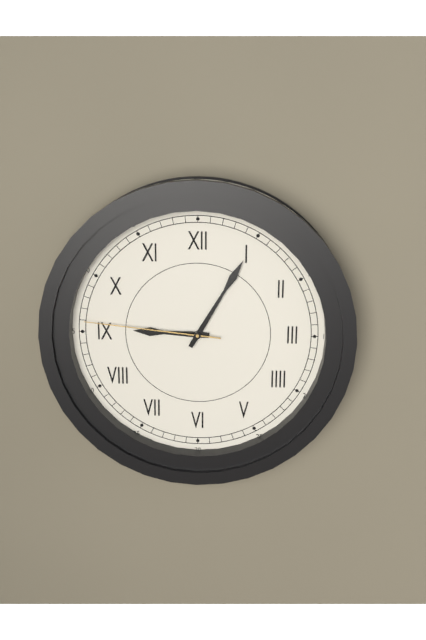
9.05.46
